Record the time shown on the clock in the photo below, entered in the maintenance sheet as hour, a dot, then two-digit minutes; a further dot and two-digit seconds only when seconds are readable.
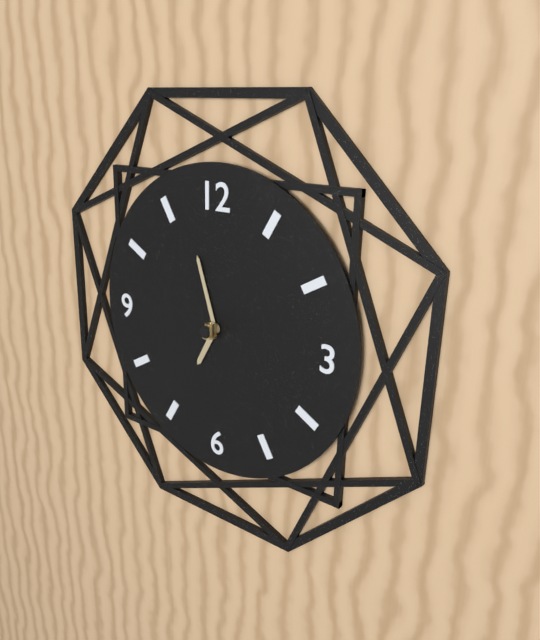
6.57
